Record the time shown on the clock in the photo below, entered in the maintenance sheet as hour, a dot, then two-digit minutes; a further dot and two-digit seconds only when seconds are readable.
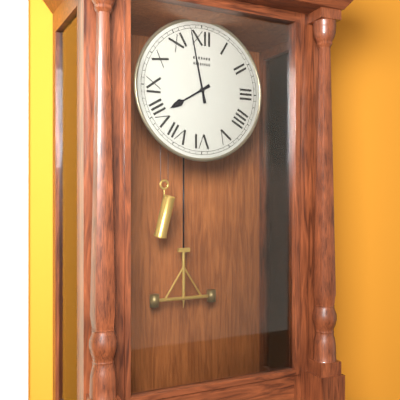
7.58
